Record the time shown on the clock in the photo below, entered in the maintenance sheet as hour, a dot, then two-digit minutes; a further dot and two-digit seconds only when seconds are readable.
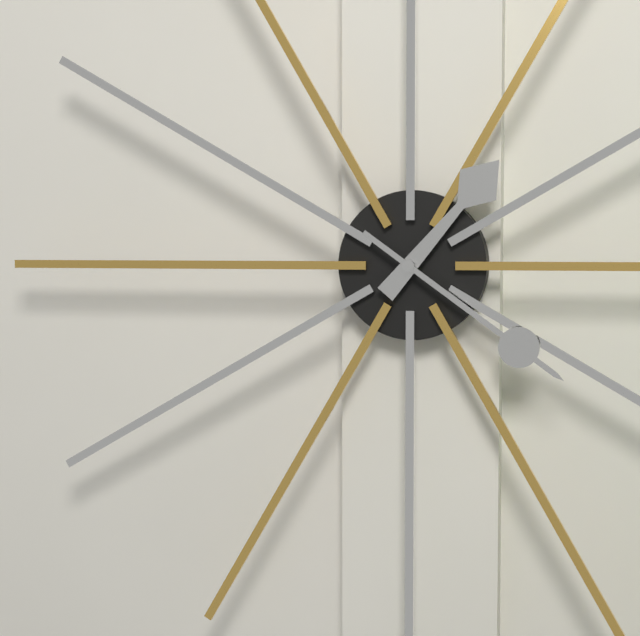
1.21
